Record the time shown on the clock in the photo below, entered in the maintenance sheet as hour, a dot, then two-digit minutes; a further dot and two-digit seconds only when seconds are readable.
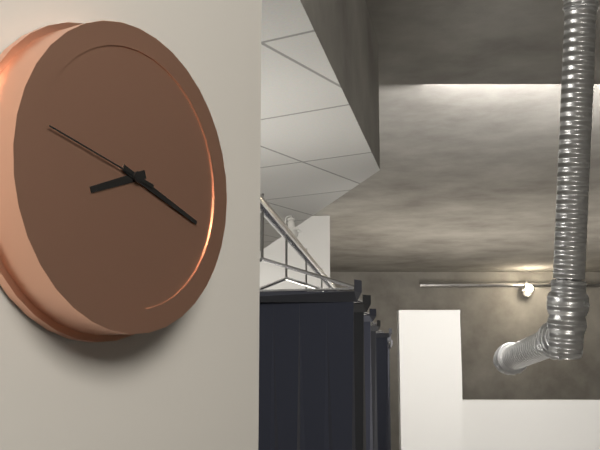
8.18.47
